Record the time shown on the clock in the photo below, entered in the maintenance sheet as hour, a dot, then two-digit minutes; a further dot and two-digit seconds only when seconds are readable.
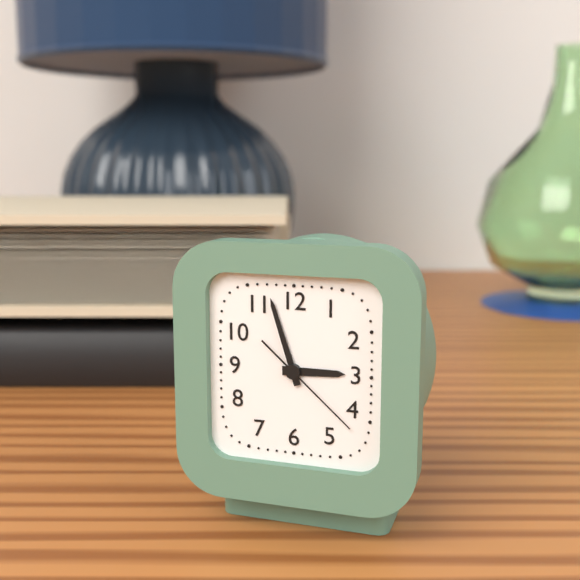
2.57.22
